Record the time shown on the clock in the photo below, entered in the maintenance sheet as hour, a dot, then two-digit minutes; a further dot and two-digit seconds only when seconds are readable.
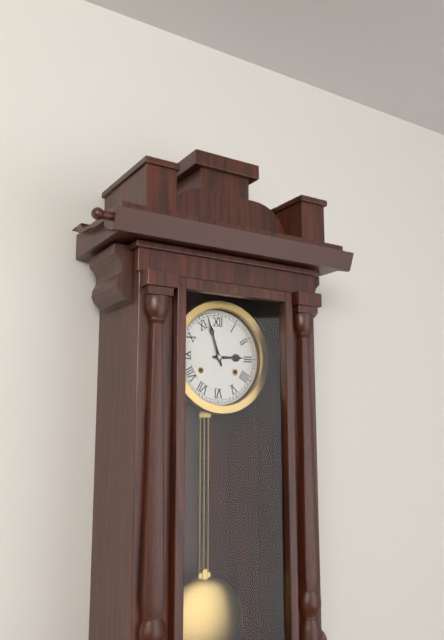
2.57
